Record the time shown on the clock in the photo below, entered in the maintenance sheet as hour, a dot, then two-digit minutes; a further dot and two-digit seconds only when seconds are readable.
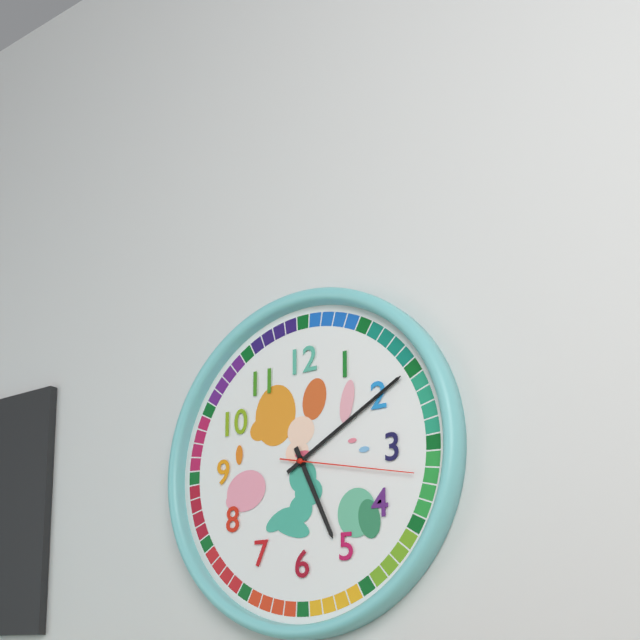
5.10.17
